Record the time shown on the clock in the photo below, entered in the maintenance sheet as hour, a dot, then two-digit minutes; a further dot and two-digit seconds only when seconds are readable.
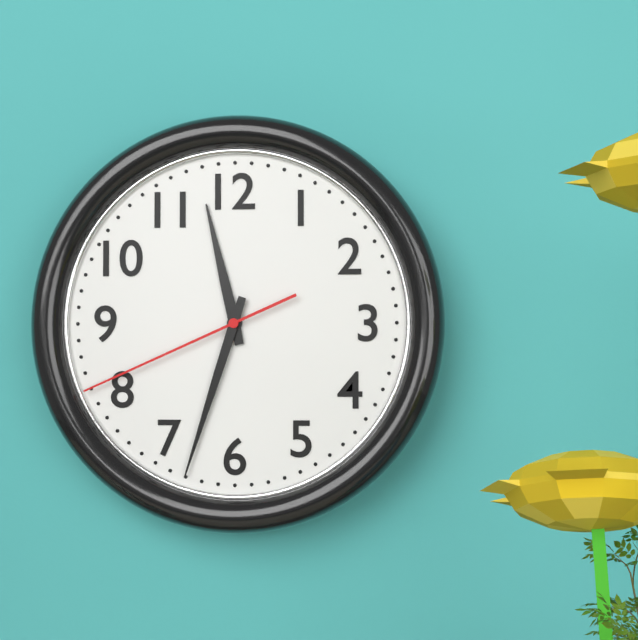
11.33.41
